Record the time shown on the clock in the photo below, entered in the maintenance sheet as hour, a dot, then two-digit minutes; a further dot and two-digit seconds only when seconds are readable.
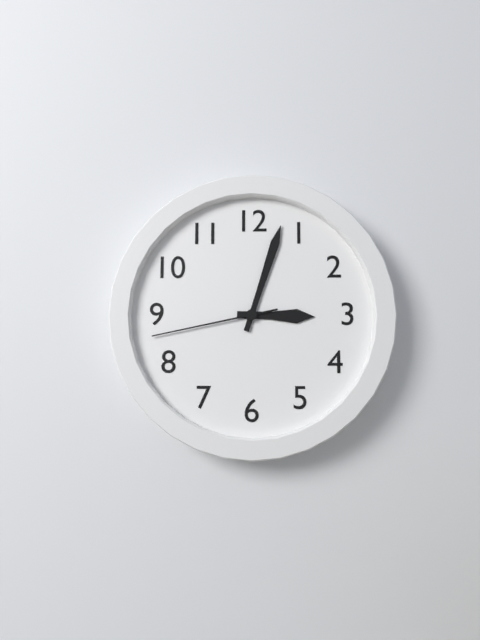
3.03.43
